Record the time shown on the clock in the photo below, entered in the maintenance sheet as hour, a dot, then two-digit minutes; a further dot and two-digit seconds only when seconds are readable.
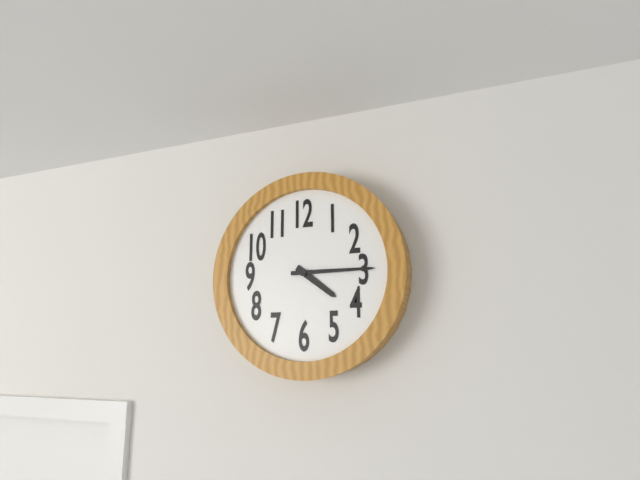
4.15
